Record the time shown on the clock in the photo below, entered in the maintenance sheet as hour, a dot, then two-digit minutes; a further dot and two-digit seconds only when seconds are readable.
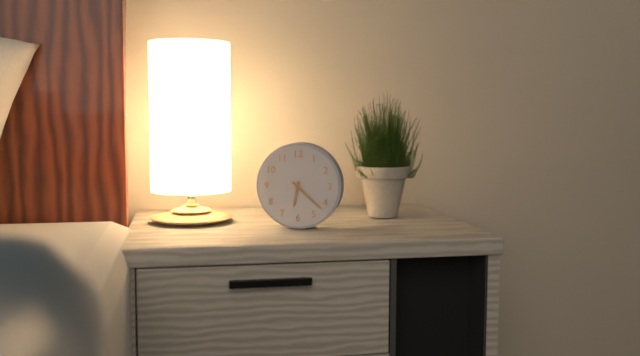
6.22
